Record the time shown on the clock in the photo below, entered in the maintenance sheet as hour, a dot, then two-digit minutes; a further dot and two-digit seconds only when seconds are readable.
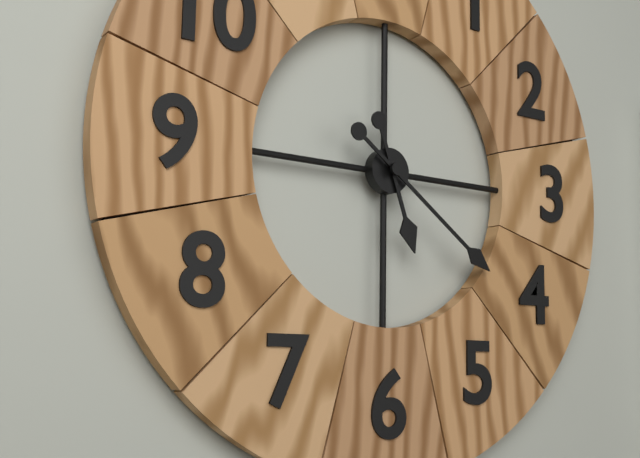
5.21
